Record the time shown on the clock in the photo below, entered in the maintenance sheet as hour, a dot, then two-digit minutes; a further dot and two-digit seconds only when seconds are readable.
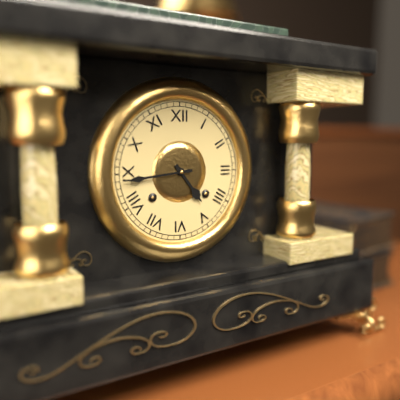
4.44
